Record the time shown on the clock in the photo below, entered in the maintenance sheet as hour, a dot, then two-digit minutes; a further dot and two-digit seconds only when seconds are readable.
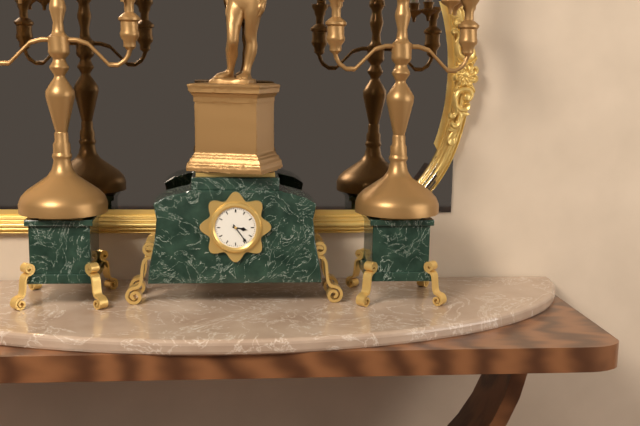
3.24
